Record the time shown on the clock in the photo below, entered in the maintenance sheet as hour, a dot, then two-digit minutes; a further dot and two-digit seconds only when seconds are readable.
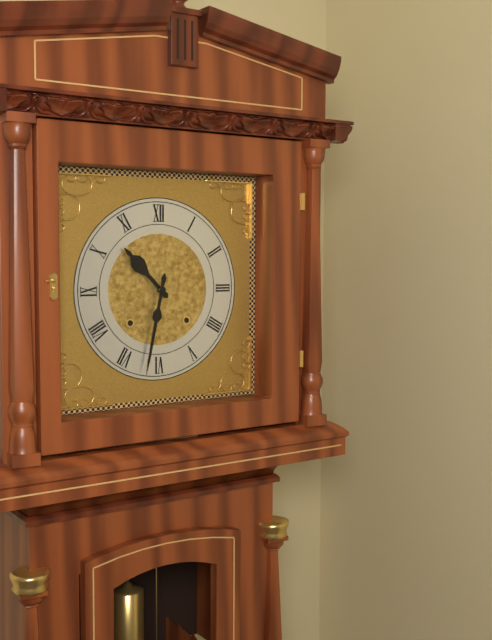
10.32
